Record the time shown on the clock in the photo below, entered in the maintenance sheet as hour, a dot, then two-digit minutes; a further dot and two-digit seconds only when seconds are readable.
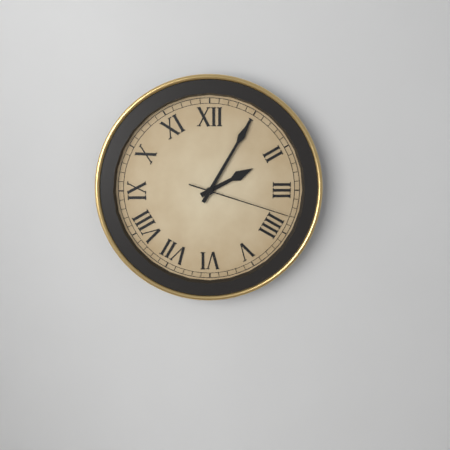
2.05.18
